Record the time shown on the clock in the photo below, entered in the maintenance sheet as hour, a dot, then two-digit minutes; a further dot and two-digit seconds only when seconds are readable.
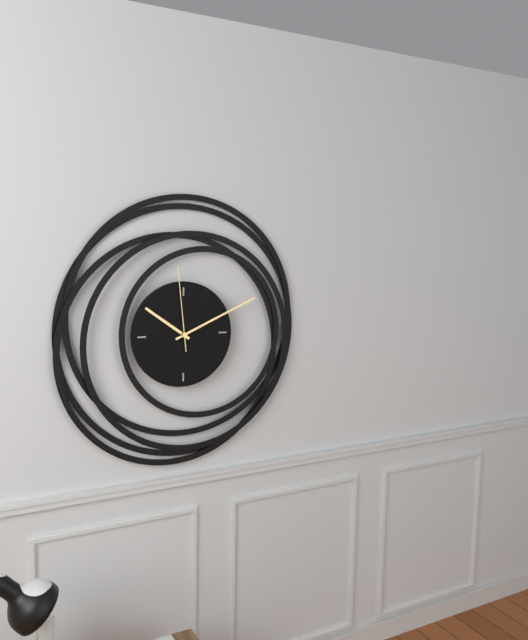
10.11.59
